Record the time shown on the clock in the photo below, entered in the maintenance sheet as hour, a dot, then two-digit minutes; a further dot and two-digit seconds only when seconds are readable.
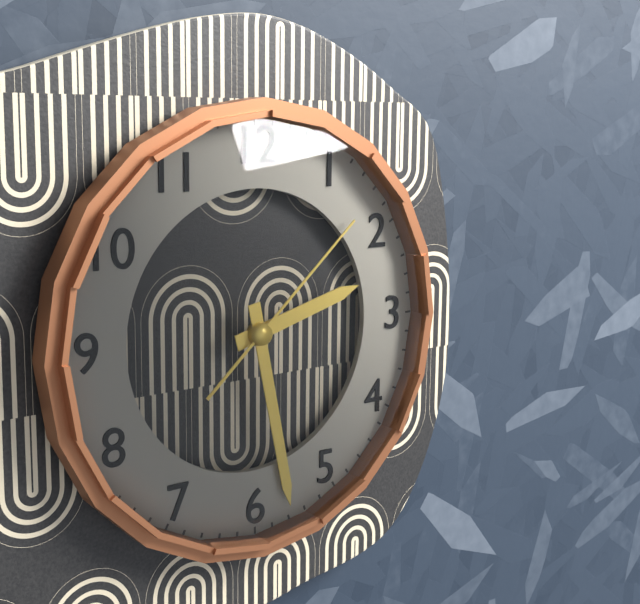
2.28.08
